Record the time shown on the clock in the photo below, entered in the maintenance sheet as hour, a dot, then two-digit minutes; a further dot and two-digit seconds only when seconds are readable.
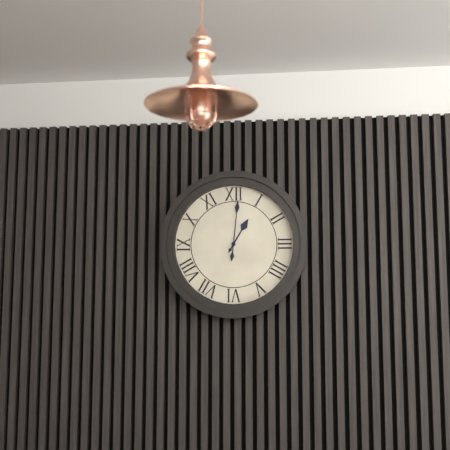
1.01
